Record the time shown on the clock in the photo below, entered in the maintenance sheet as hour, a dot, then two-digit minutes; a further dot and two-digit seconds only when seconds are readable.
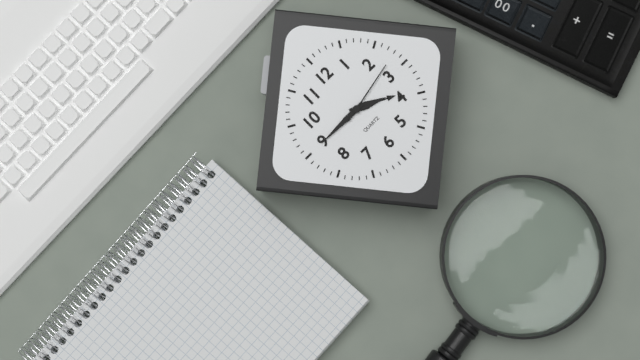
3.45.13
